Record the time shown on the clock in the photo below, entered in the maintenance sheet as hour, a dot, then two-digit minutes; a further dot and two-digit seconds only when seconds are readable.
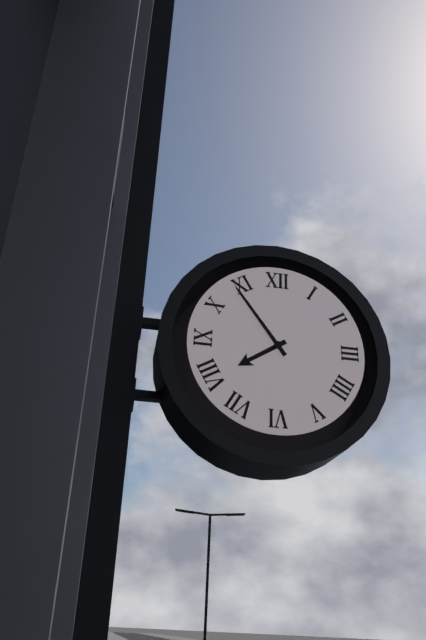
7.54
